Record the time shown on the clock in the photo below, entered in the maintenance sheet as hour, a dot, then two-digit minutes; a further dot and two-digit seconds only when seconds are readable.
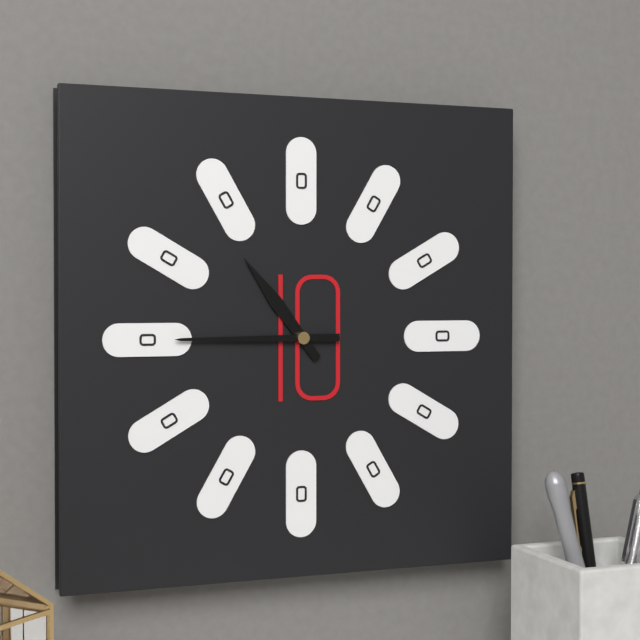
10.45
